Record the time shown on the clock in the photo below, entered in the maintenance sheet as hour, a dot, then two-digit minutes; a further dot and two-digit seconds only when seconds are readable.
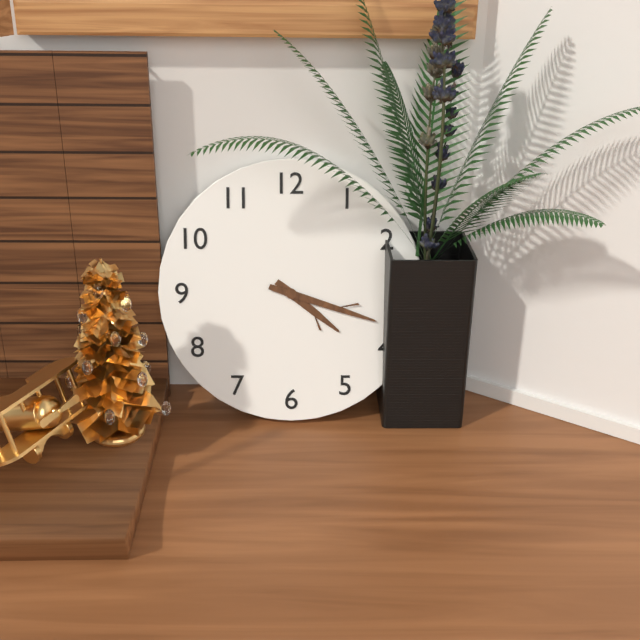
4.18
